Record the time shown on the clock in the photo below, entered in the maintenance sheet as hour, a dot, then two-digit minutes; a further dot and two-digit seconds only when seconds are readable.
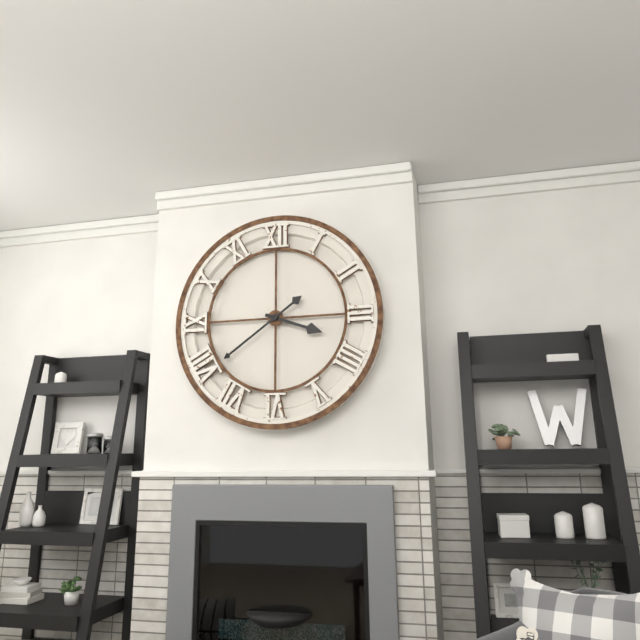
3.39
